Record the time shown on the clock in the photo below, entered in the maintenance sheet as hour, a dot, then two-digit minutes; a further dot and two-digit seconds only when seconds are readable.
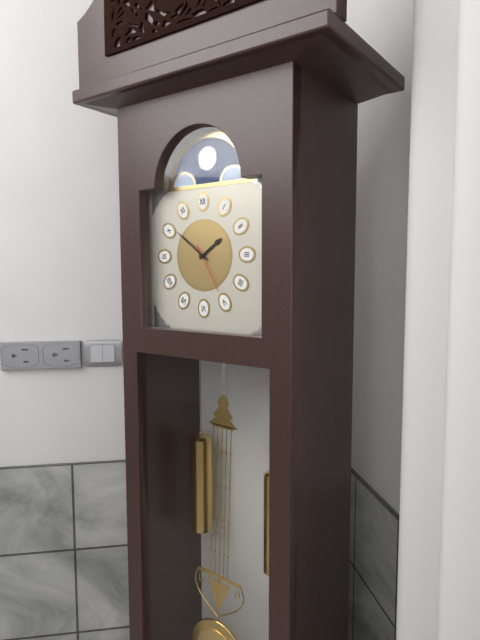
1.51.25
